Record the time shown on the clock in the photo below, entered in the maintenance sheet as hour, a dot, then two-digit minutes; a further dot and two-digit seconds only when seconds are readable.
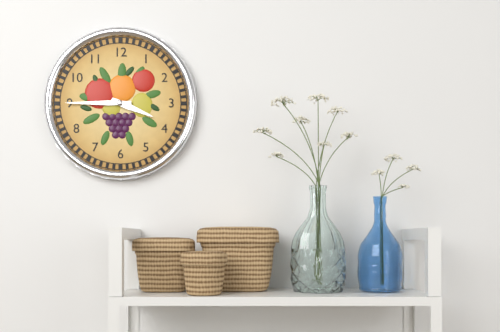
3.45
